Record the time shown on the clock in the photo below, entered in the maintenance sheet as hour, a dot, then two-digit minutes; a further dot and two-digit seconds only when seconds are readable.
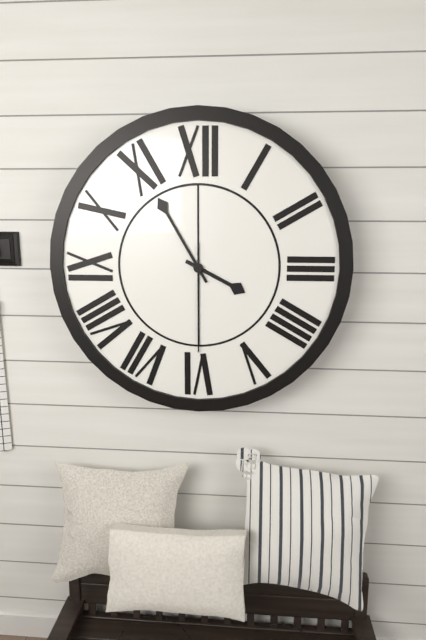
3.55.30
